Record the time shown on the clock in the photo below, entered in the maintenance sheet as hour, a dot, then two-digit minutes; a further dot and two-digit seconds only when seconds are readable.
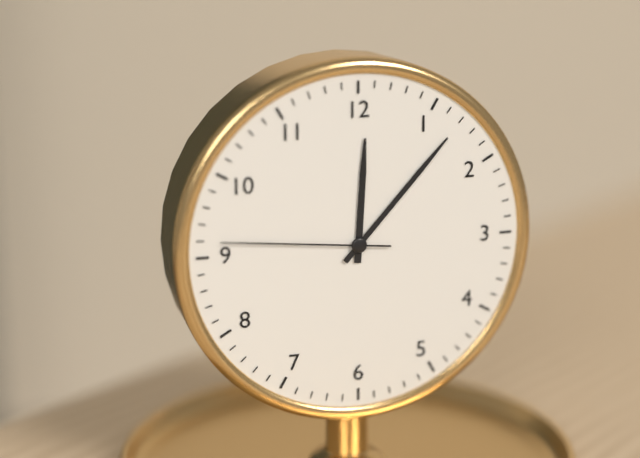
12.07.46
